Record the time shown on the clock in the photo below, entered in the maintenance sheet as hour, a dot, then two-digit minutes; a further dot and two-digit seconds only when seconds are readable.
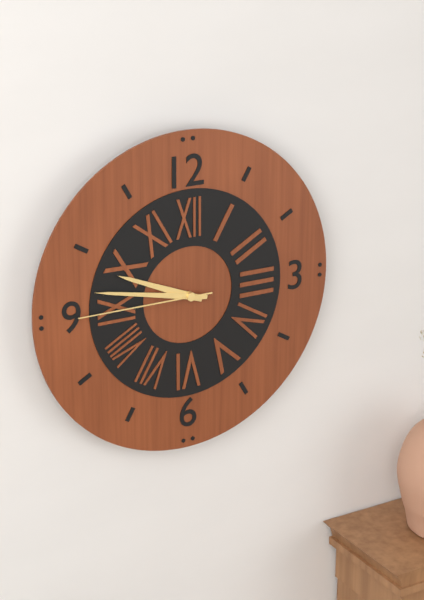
9.47.45
